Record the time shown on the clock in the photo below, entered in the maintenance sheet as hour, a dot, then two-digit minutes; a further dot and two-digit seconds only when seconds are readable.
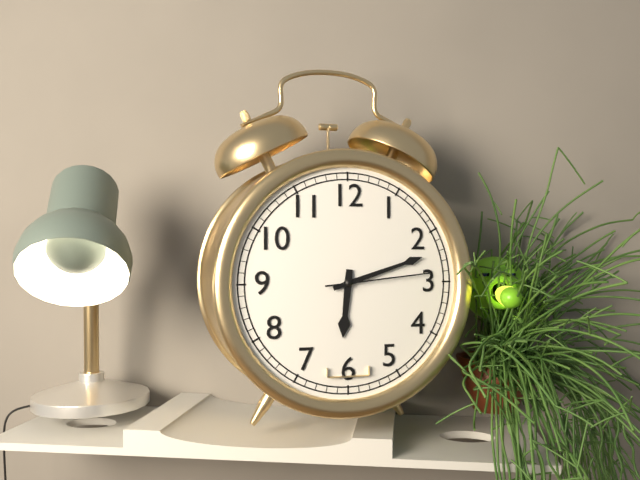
6.12.14
